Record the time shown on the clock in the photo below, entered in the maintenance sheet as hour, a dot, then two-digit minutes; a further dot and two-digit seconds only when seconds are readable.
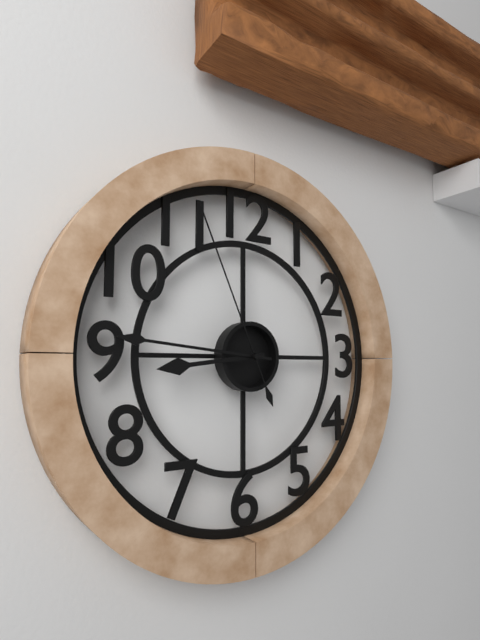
8.46.56
